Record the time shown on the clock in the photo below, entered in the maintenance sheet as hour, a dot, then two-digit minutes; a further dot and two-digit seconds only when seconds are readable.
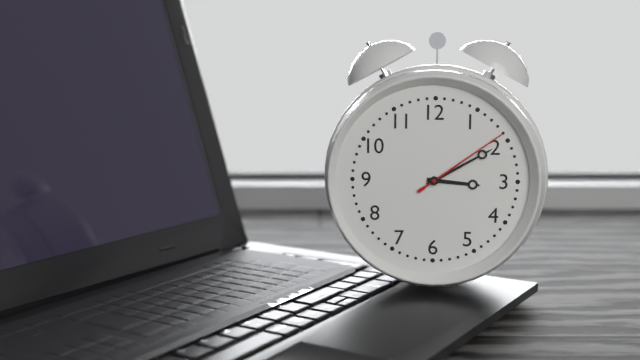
3.10.09
